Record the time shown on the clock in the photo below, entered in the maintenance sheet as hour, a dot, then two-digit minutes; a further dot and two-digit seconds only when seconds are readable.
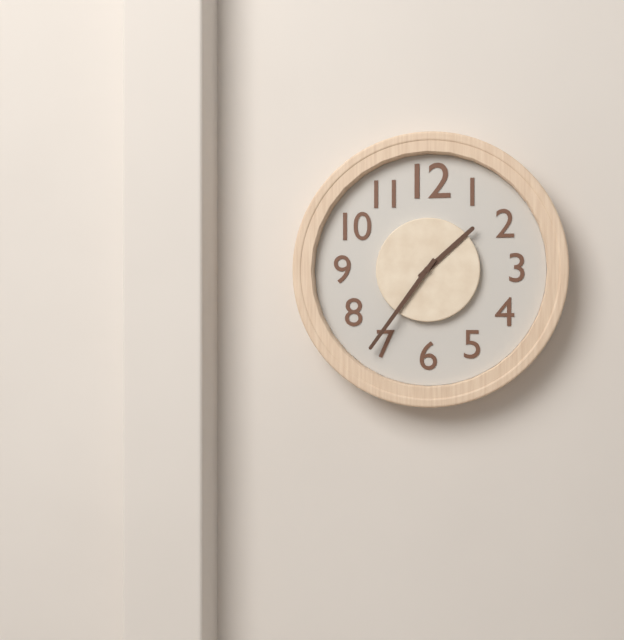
1.36
